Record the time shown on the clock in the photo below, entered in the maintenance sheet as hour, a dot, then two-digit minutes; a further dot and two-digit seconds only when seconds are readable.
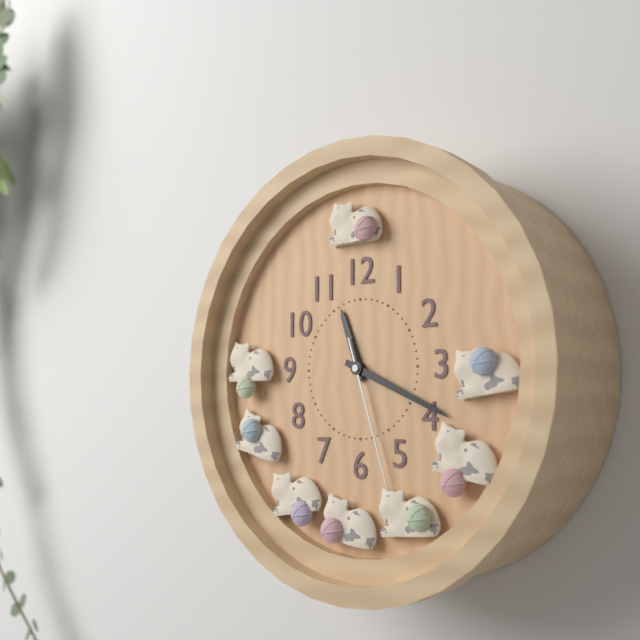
11.19.27
